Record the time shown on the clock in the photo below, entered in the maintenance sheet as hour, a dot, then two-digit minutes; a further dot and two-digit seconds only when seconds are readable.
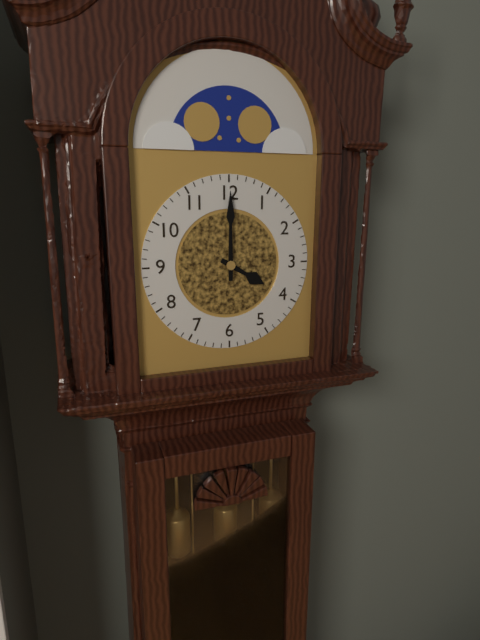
4.00
